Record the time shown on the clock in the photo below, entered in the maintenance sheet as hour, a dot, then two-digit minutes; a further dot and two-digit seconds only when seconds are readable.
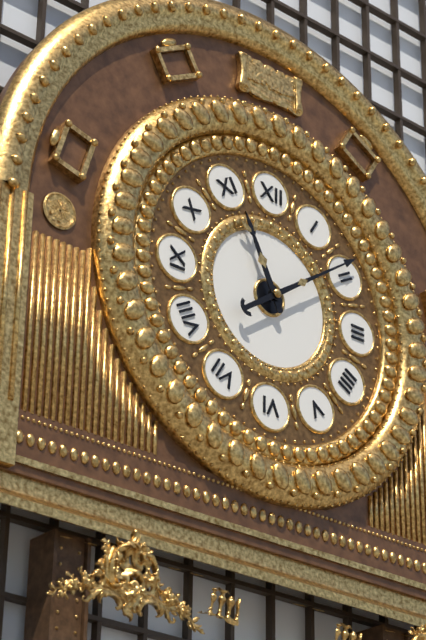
11.09
